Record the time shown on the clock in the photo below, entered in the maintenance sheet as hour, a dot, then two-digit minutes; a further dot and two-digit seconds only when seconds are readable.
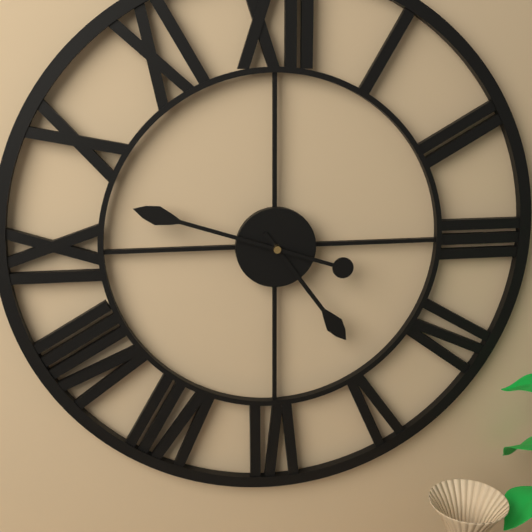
4.48
